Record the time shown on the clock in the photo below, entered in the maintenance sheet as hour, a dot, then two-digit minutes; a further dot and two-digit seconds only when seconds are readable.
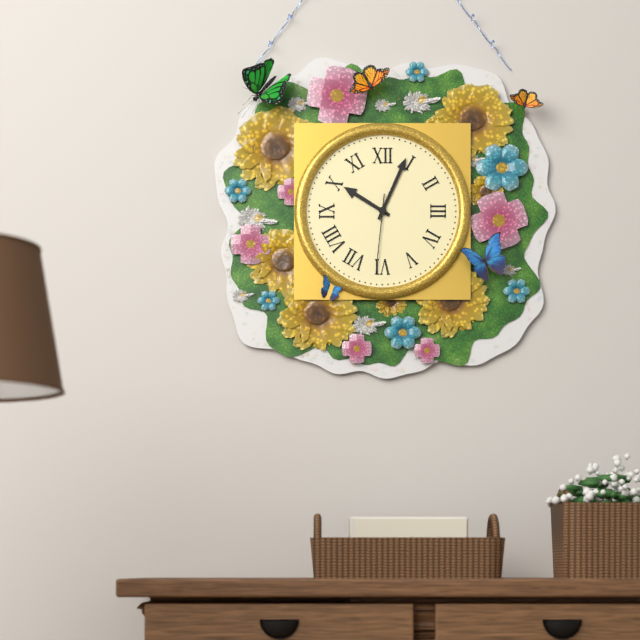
10.04.31
